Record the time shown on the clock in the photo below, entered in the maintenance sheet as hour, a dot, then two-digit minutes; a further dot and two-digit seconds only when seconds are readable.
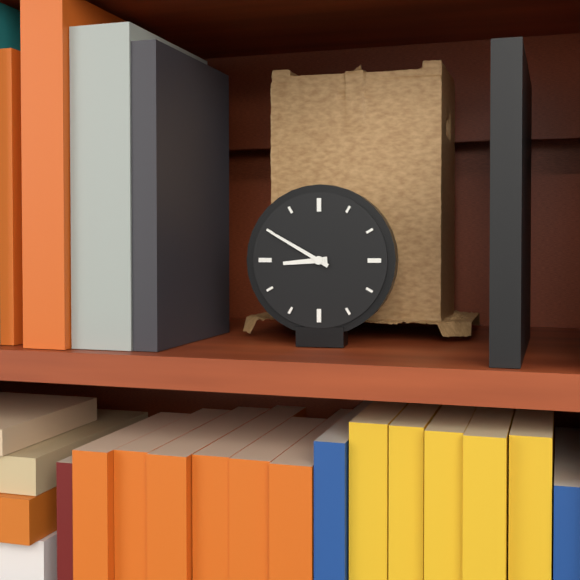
8.50
